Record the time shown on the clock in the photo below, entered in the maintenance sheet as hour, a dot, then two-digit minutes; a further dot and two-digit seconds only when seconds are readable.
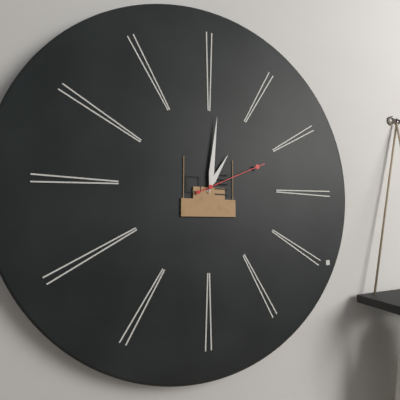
1.01.11
